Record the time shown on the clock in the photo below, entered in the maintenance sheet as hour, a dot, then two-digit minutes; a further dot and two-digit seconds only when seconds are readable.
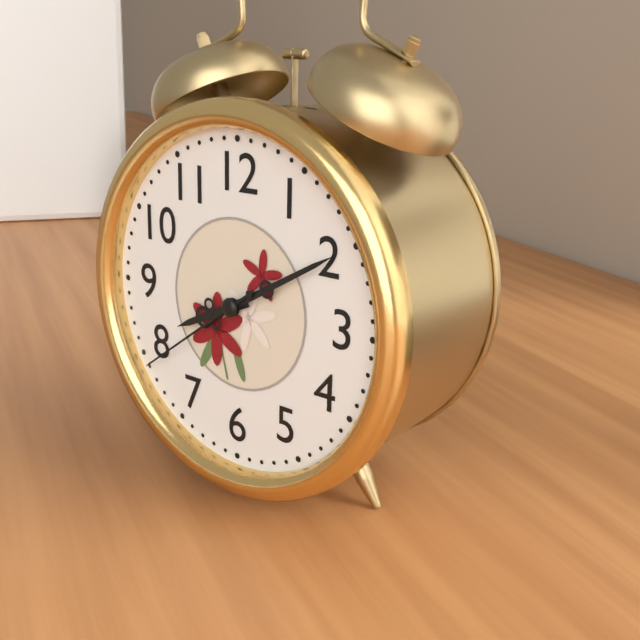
8.10.39
